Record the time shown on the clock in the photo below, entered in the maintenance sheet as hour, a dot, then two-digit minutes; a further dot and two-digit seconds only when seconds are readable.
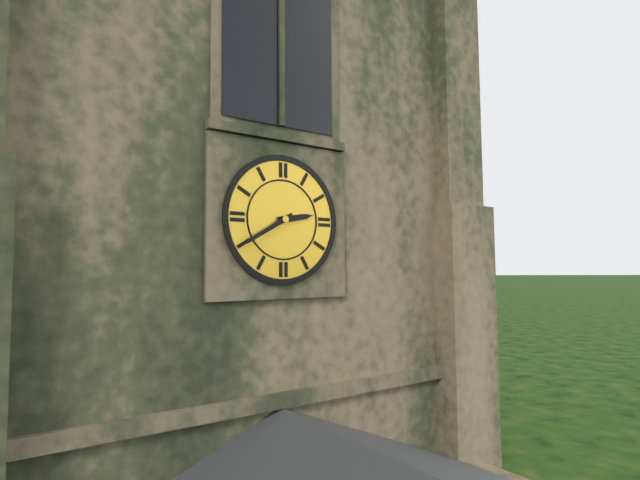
2.40
